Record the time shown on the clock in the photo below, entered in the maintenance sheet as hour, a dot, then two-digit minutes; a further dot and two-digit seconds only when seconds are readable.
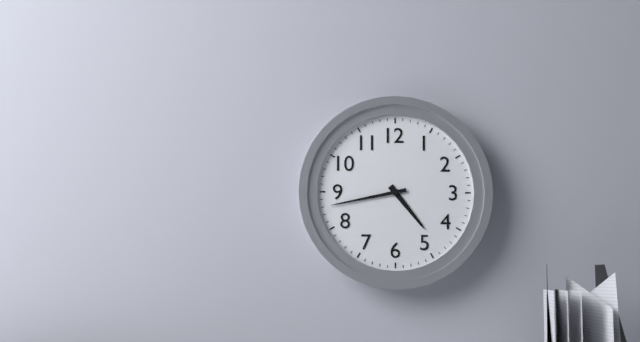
4.43
